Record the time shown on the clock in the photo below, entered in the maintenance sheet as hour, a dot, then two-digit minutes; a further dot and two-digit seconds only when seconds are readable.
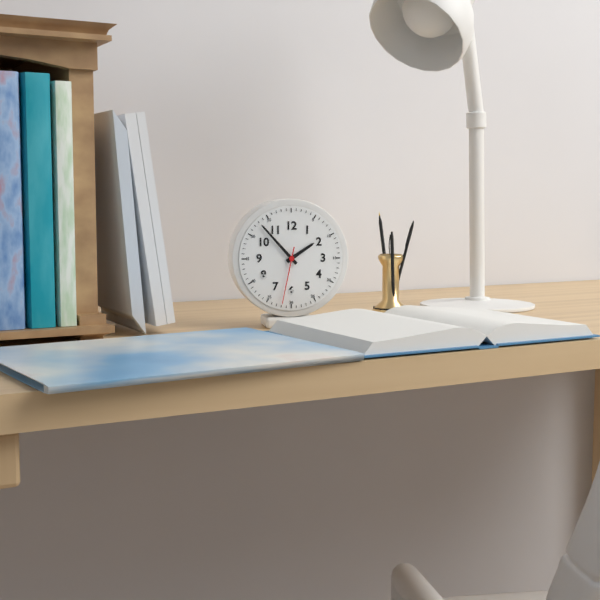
1.53.32
